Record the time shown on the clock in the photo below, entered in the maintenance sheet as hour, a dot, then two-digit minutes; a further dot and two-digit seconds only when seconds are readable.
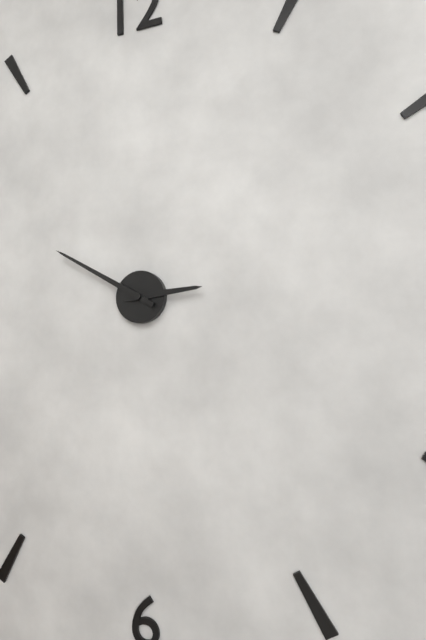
2.50
